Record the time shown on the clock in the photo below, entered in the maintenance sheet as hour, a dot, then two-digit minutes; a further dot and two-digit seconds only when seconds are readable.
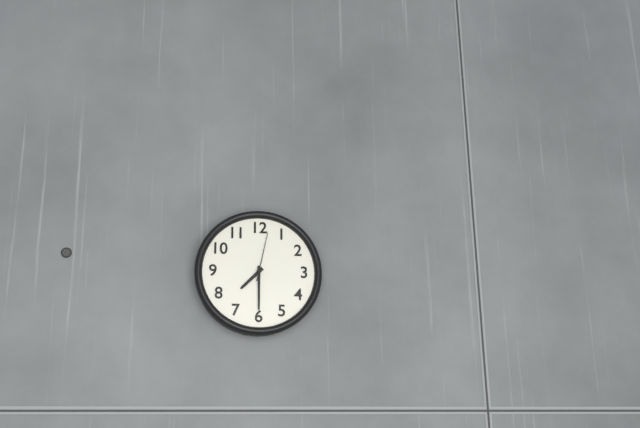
7.30.02
